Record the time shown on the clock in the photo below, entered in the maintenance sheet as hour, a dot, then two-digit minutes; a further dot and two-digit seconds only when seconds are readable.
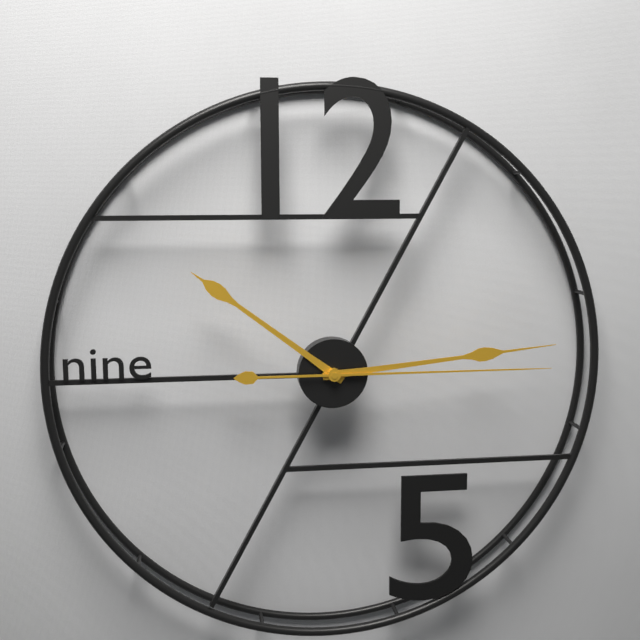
10.14.15
